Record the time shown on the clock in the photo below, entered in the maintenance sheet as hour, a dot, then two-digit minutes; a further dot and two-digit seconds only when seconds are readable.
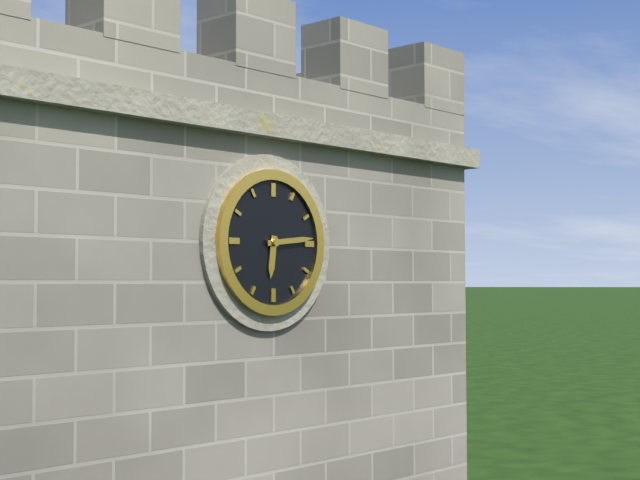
6.14
